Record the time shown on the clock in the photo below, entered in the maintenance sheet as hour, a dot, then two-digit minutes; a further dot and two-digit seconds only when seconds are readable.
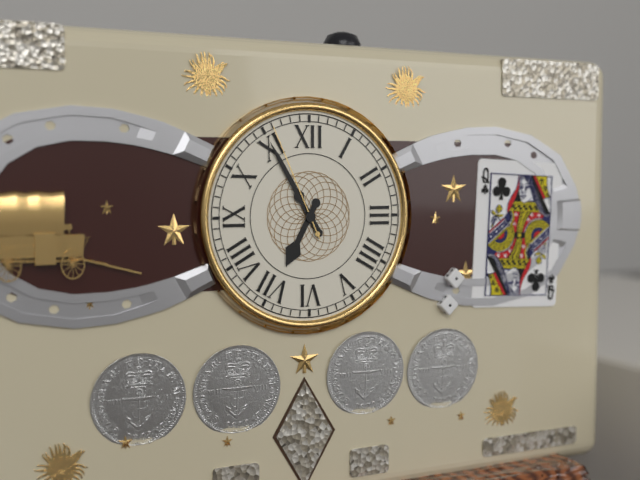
6.55.56
